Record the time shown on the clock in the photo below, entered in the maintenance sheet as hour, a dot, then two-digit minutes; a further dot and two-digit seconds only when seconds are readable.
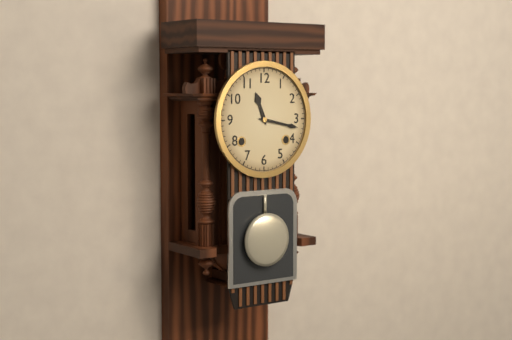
11.17
